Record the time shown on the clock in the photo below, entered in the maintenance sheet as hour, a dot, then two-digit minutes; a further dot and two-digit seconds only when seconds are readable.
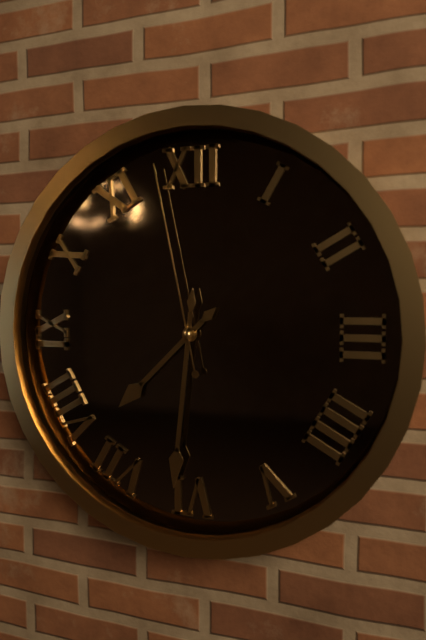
7.31.58
